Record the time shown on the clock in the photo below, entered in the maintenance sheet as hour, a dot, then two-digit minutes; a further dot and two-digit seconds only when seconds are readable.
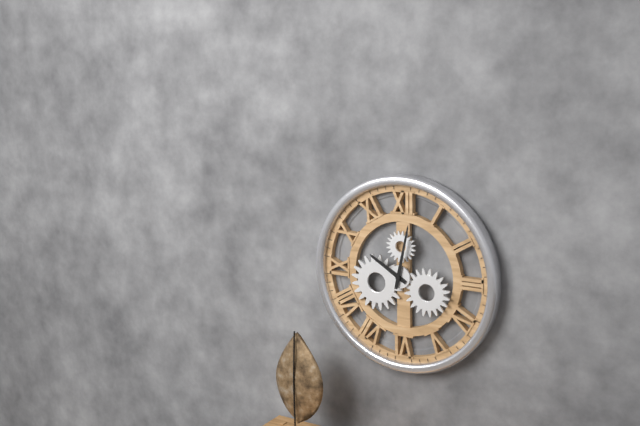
10.02
